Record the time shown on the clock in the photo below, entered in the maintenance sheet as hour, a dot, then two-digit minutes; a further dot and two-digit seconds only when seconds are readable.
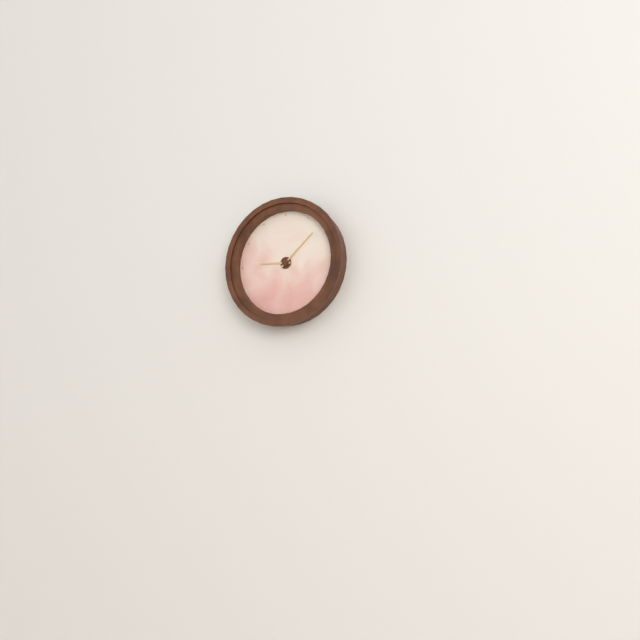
9.08
